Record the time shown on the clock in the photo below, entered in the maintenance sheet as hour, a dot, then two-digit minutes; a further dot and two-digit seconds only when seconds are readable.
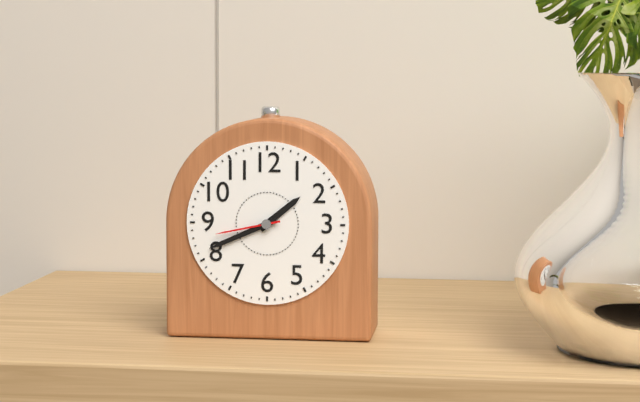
1.41.43
